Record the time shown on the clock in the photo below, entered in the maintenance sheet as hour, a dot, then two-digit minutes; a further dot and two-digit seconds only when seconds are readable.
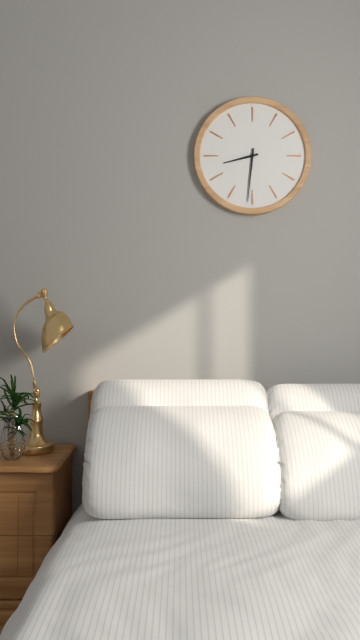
8.31
